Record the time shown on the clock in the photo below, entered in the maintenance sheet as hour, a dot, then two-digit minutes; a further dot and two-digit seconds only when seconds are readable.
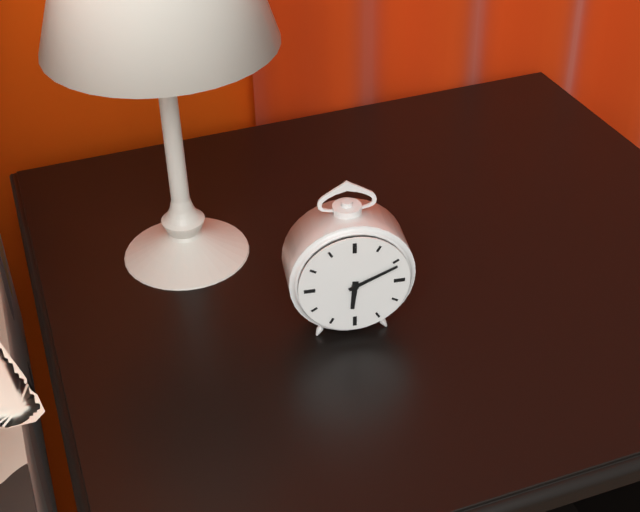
6.11
